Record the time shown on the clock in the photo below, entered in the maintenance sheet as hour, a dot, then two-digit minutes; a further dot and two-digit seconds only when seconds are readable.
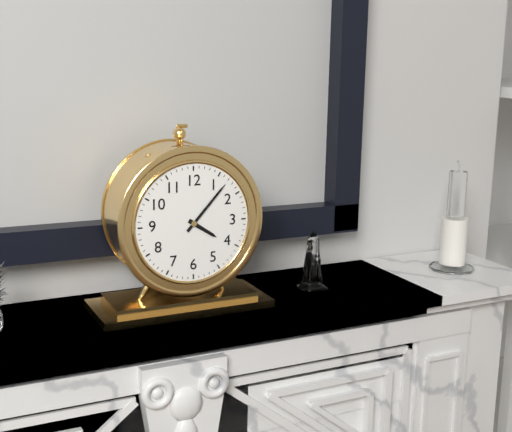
4.07
